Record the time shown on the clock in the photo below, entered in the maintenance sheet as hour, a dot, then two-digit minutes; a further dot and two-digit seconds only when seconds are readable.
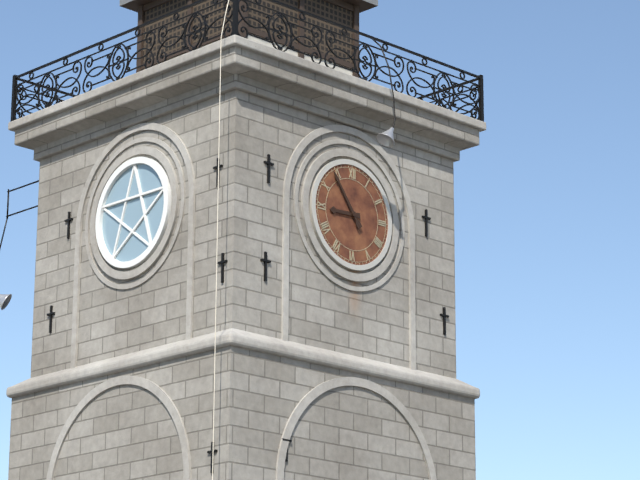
8.54
